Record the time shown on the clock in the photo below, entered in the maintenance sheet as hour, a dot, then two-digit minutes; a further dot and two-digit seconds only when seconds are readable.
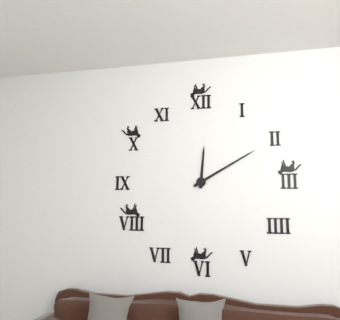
12.10
